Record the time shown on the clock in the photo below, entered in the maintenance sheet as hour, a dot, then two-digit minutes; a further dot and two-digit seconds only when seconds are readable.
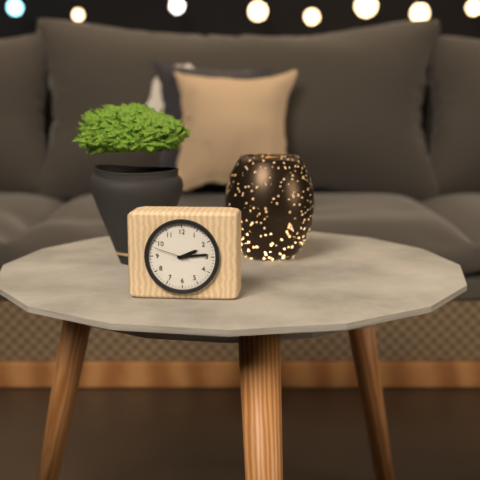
2.14
